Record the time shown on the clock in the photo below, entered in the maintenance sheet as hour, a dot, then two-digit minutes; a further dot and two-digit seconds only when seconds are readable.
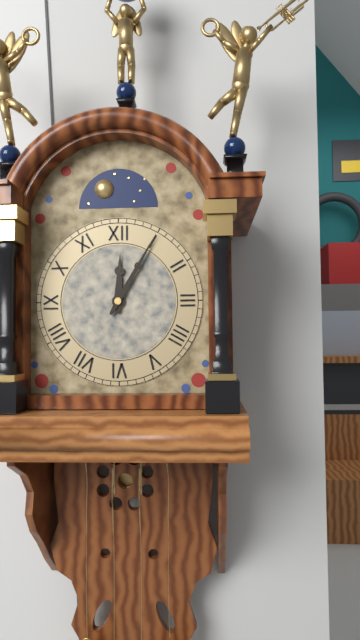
12.05
